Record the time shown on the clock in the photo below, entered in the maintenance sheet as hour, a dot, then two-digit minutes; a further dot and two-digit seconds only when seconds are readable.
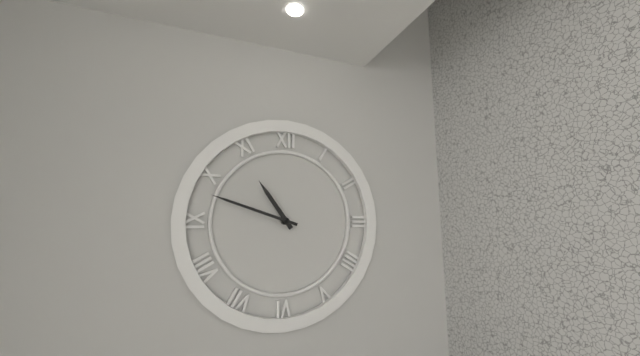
10.48
